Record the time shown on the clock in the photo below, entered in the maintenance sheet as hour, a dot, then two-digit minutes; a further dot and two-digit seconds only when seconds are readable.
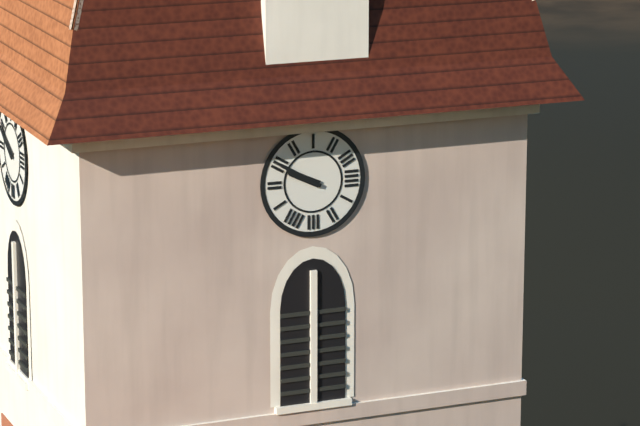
9.50
